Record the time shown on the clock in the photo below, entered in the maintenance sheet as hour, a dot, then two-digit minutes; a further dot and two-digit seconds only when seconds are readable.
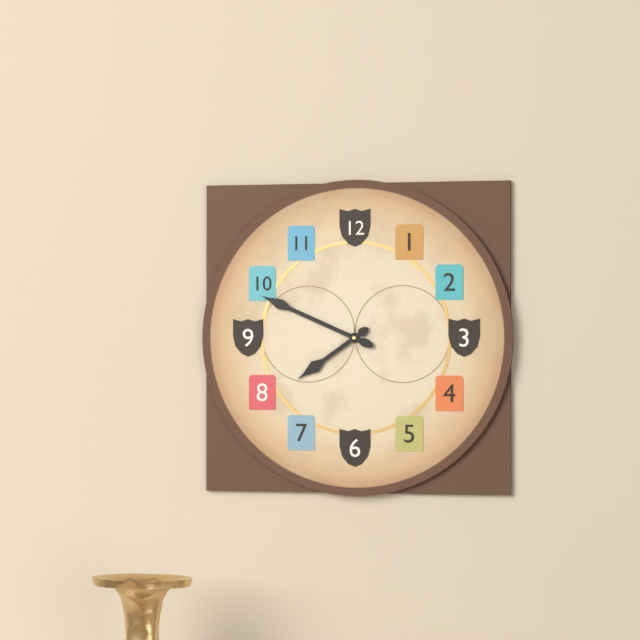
7.49
